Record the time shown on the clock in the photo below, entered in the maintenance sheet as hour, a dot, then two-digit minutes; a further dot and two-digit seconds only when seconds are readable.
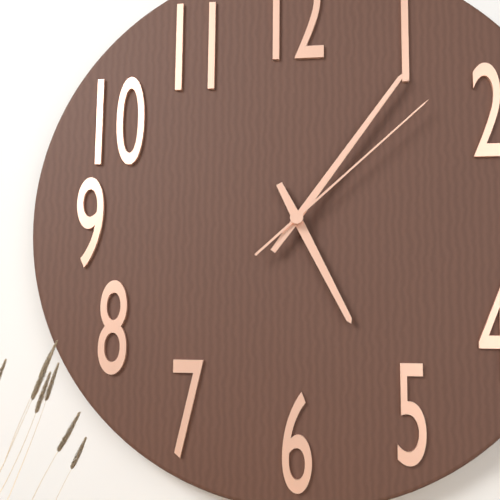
5.06.08
